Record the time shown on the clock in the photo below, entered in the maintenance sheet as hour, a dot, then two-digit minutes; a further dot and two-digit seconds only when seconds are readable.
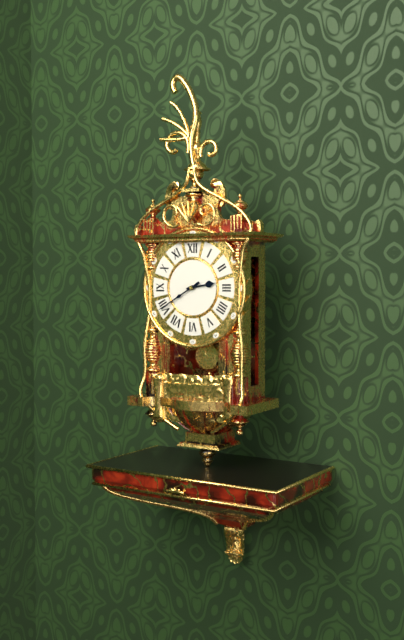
2.40
